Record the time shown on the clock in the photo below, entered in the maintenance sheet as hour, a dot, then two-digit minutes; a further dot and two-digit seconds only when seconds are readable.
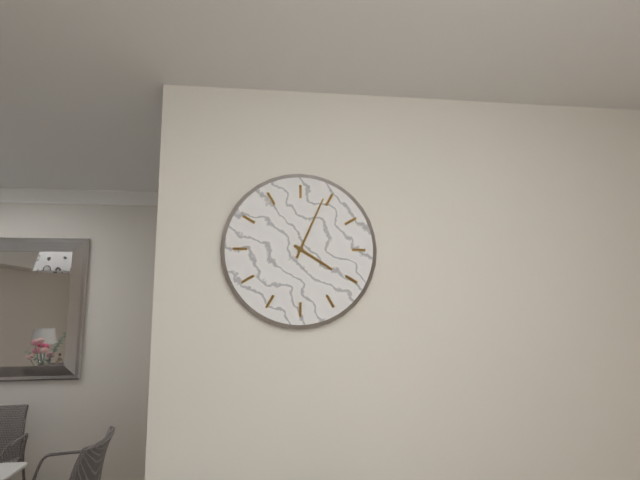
4.04
